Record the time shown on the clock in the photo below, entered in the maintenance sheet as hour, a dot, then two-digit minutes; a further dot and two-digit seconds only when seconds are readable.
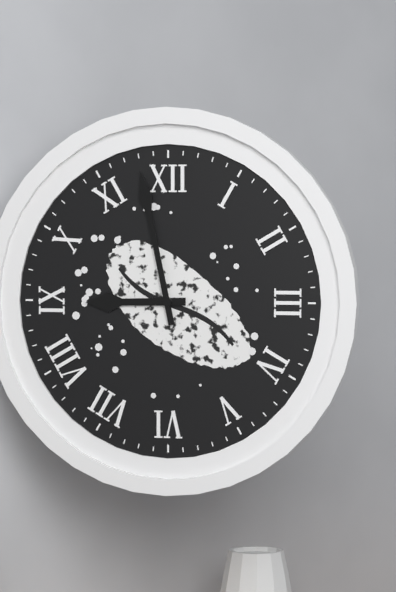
8.58
